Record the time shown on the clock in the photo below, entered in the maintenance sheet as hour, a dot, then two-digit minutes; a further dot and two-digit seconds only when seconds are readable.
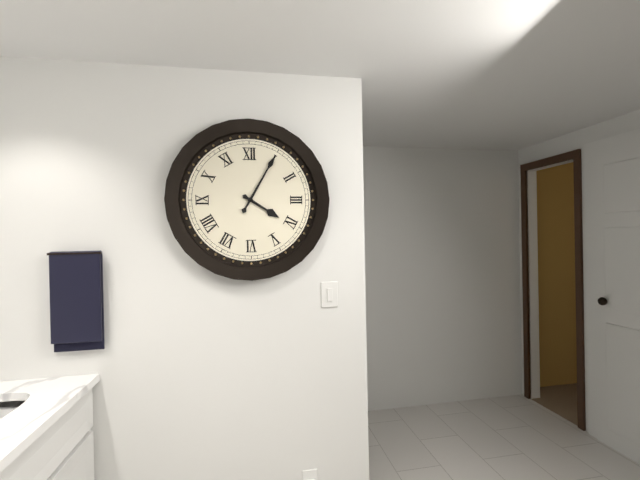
4.05
